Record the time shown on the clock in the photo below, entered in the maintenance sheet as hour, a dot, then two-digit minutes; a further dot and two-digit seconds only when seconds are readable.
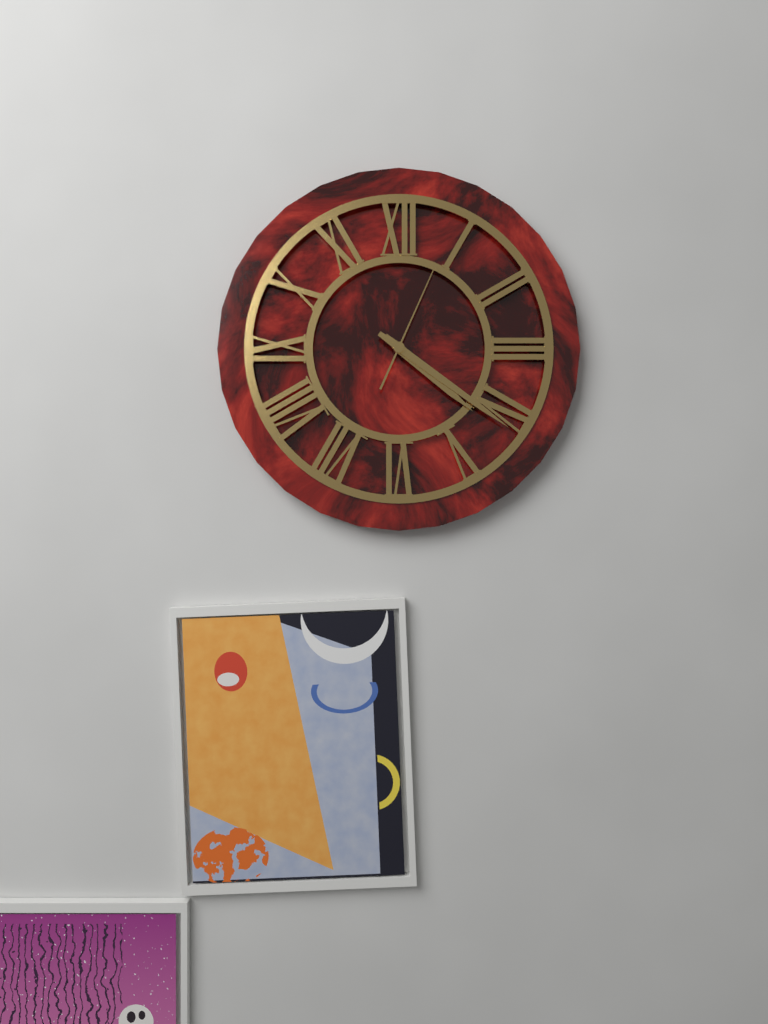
4.21.04
